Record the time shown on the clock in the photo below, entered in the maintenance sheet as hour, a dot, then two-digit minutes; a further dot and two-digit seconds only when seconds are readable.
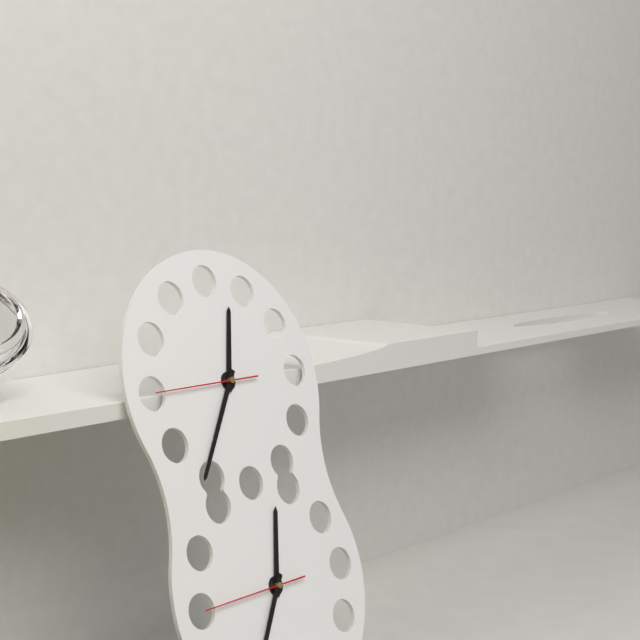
12.36.45
